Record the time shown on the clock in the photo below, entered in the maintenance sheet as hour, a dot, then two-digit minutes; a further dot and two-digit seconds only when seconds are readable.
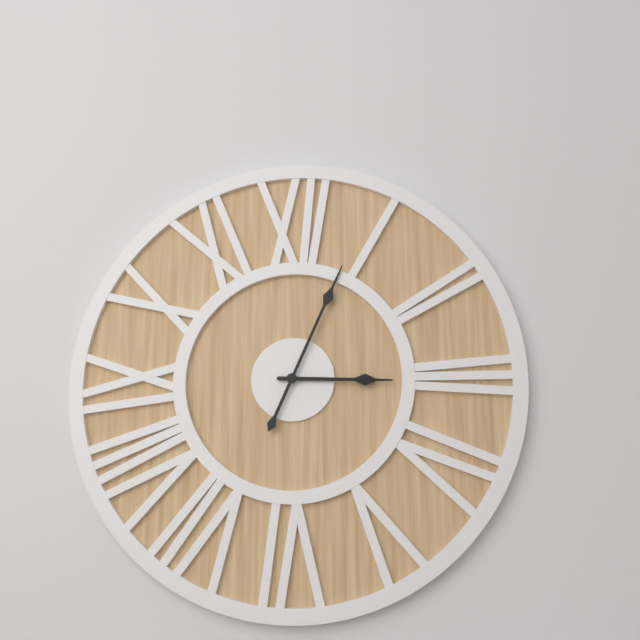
3.04
